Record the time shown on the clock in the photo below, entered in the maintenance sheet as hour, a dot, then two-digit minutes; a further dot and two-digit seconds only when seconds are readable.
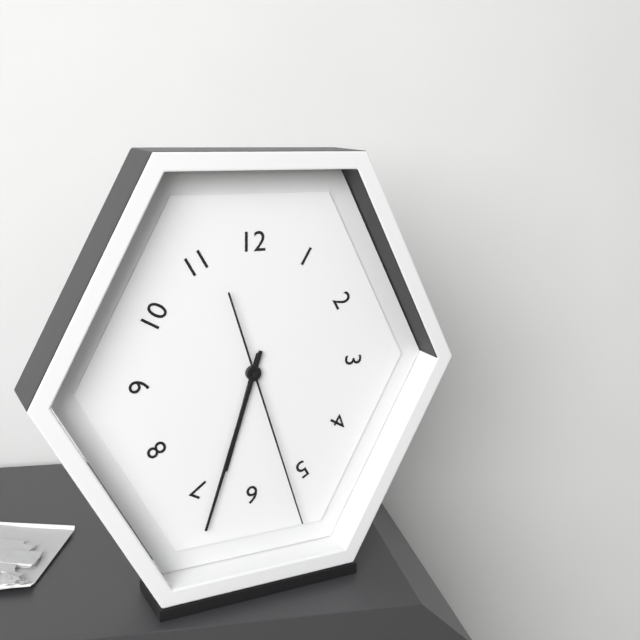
6.33.27
